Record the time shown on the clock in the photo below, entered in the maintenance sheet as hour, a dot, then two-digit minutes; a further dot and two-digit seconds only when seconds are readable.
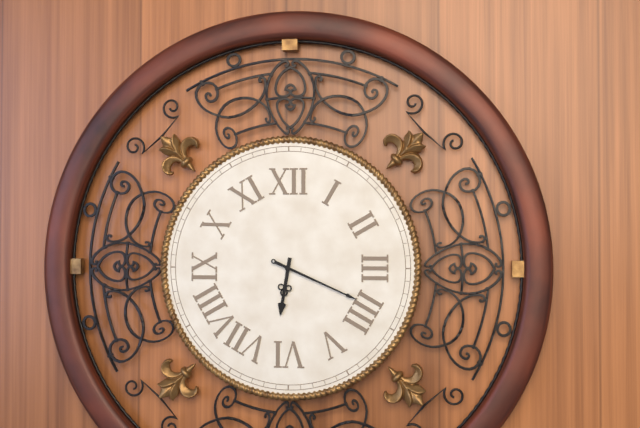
6.19
